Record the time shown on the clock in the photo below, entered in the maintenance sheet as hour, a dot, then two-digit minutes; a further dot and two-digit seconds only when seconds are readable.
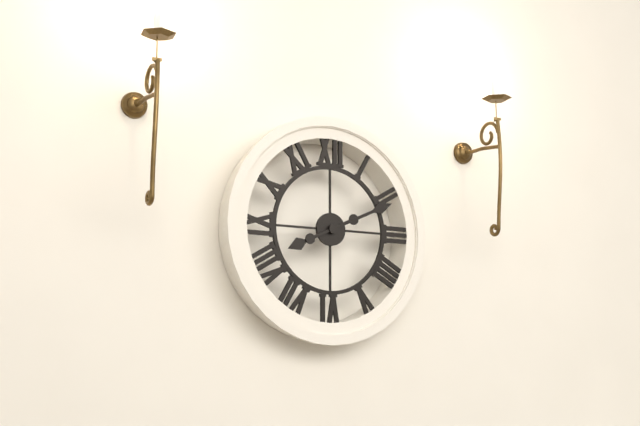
8.11
